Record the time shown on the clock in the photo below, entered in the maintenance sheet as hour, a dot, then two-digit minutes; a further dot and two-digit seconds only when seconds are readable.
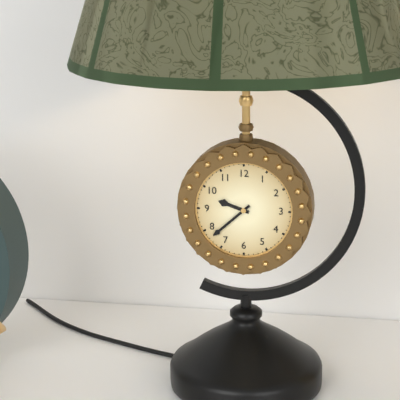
9.38
